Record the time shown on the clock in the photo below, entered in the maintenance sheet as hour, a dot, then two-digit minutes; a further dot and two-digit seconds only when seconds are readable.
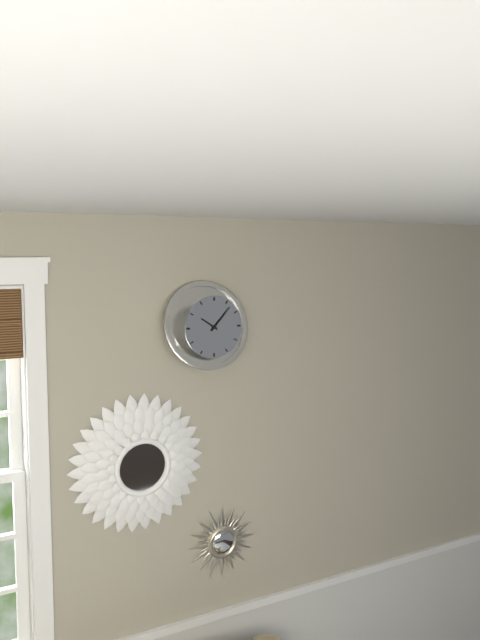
10.07
